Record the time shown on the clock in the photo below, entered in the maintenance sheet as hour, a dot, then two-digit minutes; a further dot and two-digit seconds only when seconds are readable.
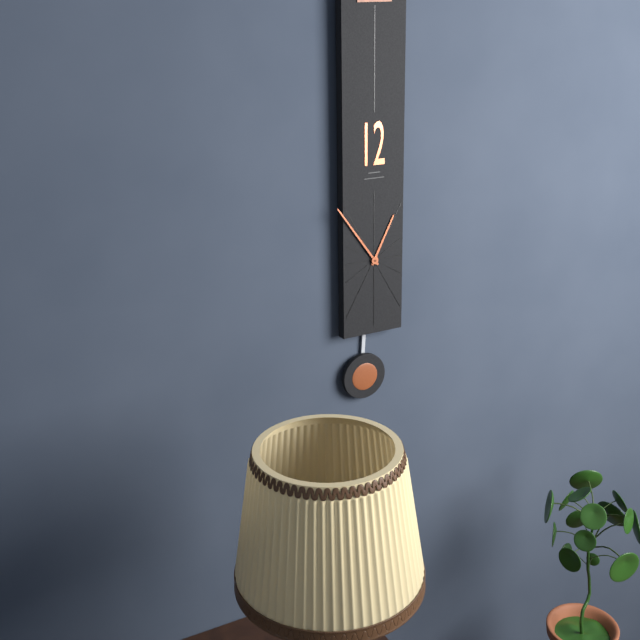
12.54
